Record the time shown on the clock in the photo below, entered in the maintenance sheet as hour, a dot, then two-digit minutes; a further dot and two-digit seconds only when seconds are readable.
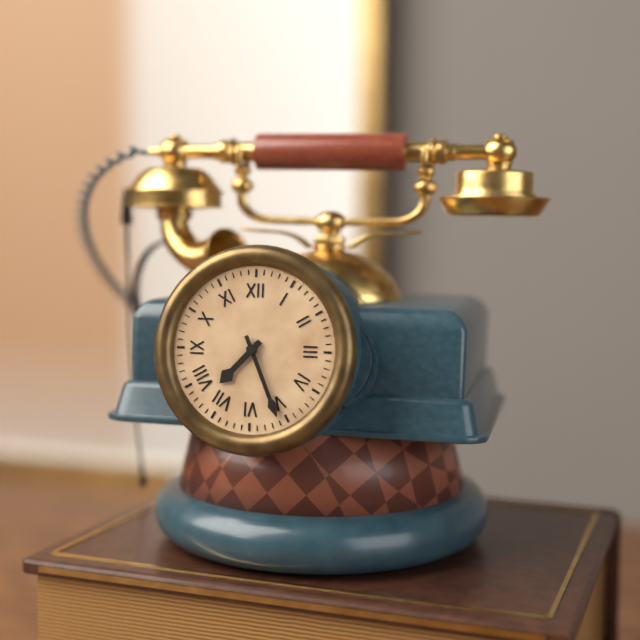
7.26
